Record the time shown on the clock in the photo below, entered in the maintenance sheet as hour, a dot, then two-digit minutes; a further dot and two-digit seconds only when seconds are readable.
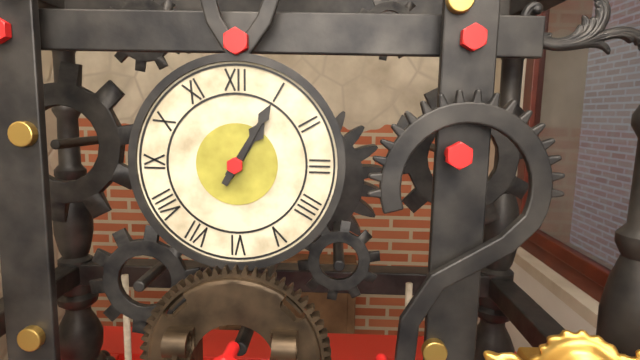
1.05
